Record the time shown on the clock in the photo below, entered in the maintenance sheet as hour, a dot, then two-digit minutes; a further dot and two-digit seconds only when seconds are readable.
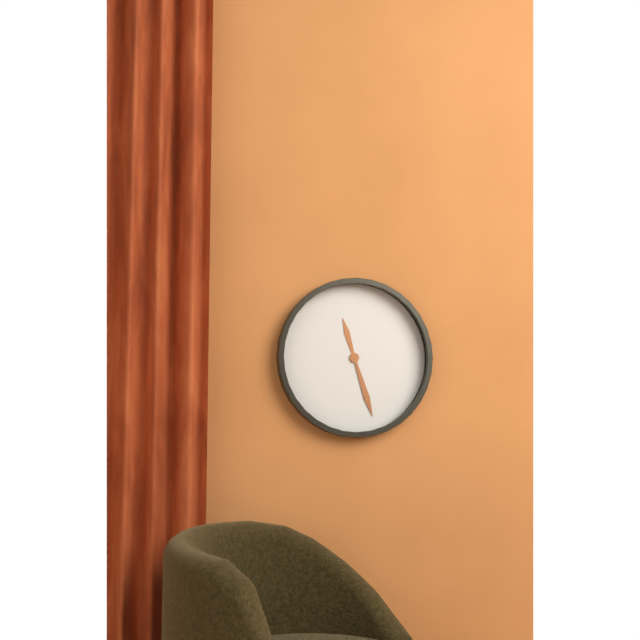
11.27
